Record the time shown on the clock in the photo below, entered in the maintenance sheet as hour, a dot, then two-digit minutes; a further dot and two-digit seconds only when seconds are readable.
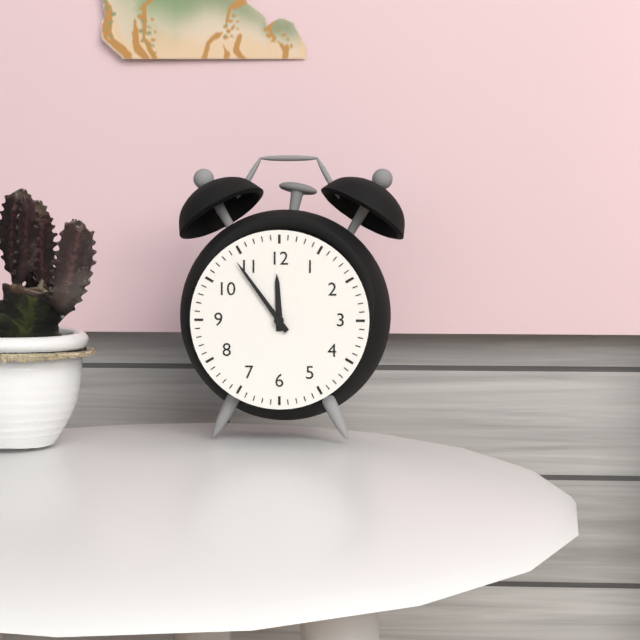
11.54
